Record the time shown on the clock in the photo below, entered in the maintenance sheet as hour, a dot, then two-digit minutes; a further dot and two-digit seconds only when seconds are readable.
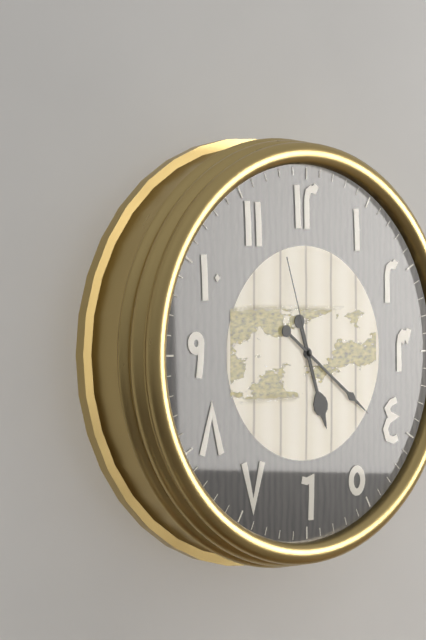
5.21.57
